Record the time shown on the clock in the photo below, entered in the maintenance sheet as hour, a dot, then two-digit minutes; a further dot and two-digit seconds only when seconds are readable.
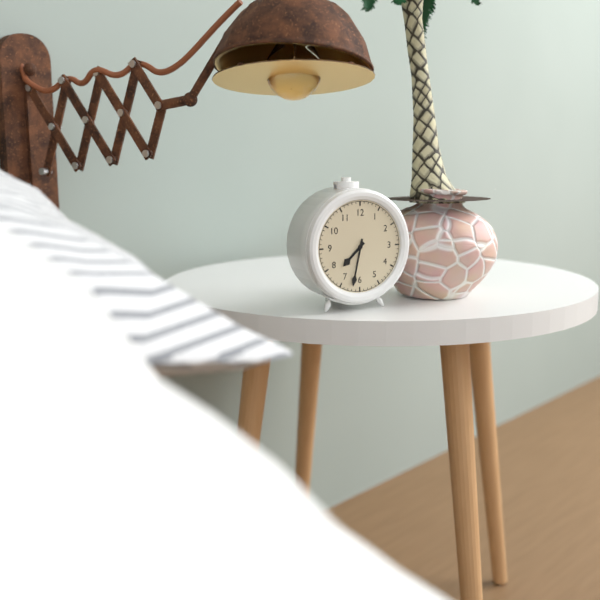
7.32
